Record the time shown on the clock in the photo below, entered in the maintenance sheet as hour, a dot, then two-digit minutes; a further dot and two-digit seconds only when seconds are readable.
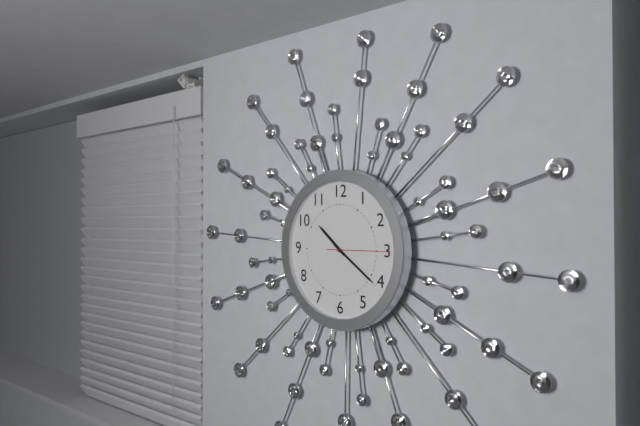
10.21.15
